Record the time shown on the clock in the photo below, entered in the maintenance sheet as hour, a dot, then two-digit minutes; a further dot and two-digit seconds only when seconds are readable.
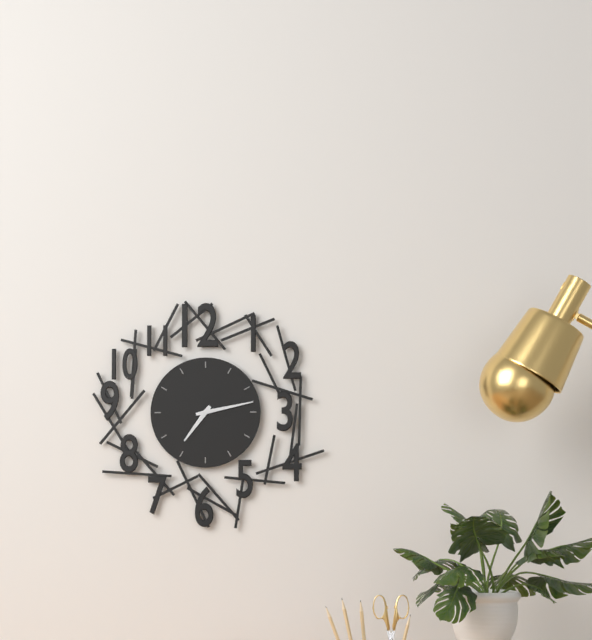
7.13
